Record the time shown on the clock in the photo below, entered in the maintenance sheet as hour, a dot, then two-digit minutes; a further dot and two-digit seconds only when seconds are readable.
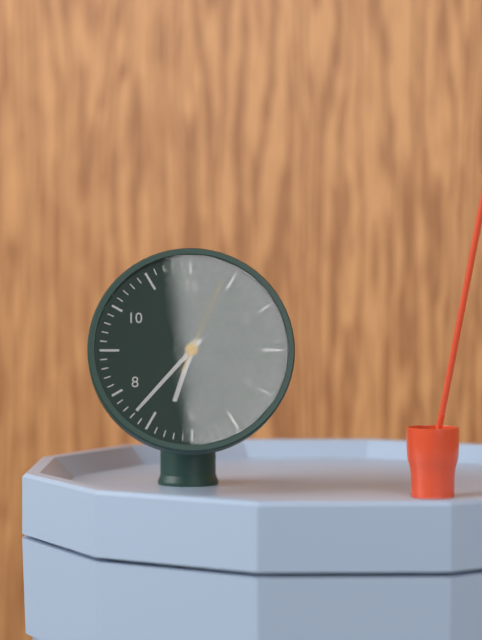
6.37.04
